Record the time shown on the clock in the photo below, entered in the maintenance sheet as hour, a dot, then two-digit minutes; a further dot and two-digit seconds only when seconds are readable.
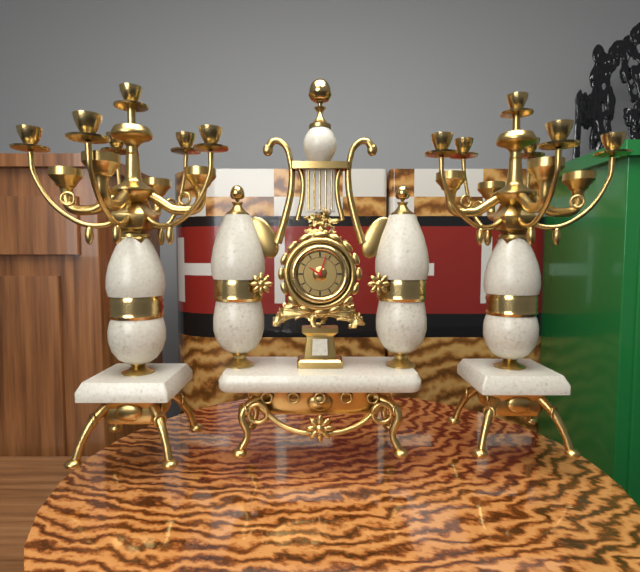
10.03
